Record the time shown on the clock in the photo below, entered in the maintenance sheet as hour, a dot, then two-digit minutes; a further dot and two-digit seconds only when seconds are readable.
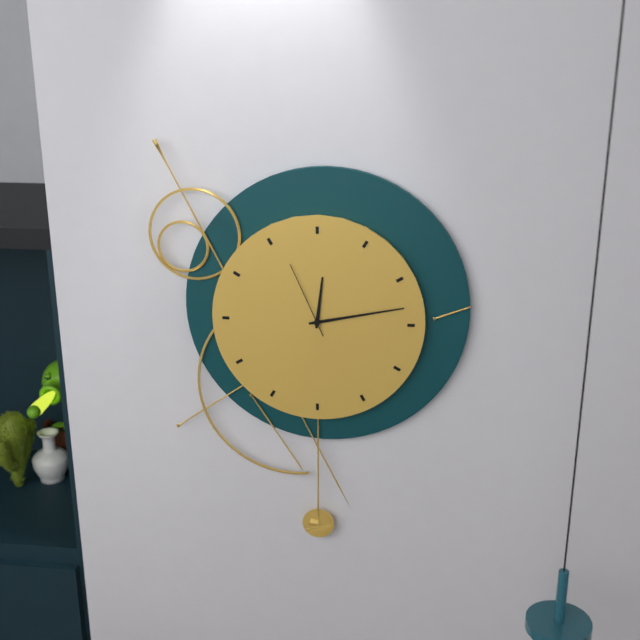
12.13.56
